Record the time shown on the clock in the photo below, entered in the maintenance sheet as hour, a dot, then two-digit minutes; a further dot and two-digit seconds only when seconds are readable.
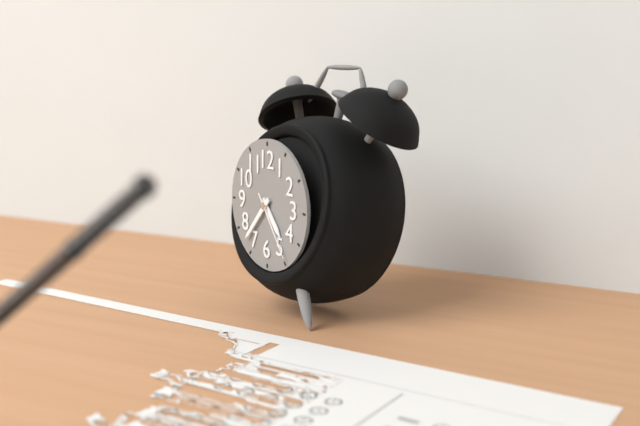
4.37.24
